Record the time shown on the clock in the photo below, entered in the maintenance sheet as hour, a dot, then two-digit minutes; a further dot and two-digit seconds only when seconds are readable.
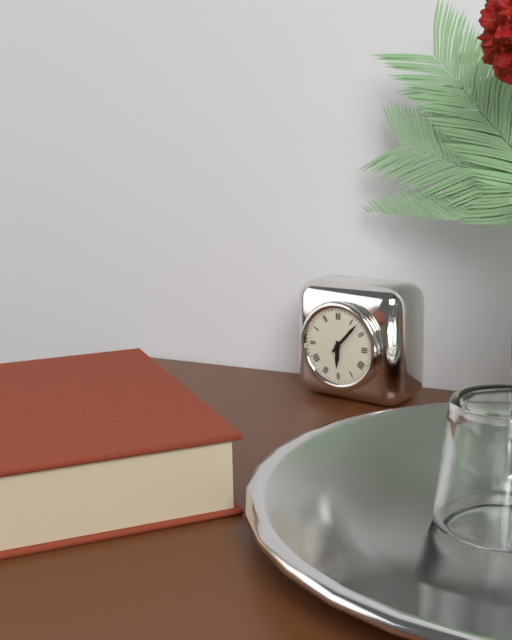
6.07
